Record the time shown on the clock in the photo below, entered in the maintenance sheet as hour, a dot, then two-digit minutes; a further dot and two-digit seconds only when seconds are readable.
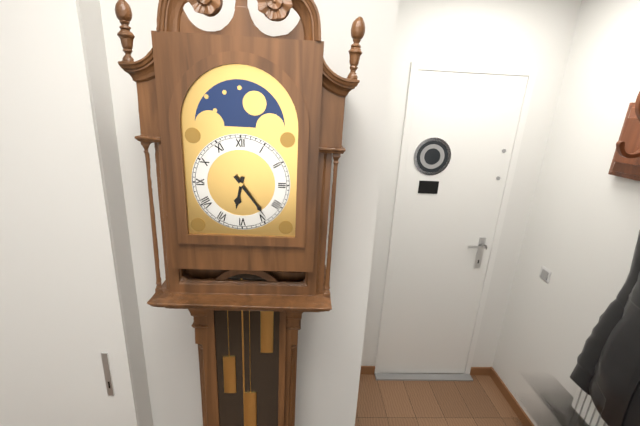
6.24
